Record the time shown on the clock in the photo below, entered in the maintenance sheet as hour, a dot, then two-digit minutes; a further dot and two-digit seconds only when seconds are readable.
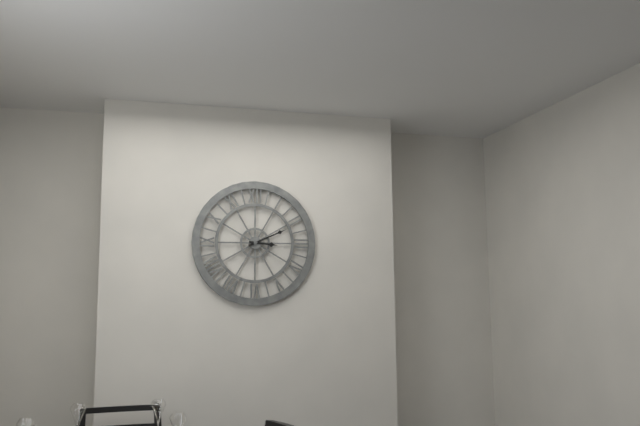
3.11
